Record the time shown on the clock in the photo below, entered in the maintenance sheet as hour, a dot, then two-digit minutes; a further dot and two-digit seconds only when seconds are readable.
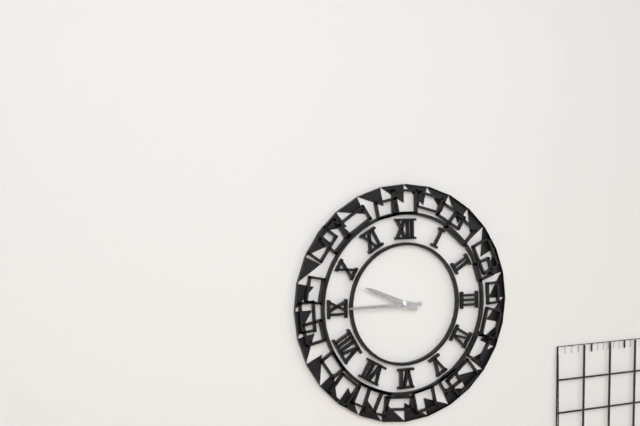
9.45
